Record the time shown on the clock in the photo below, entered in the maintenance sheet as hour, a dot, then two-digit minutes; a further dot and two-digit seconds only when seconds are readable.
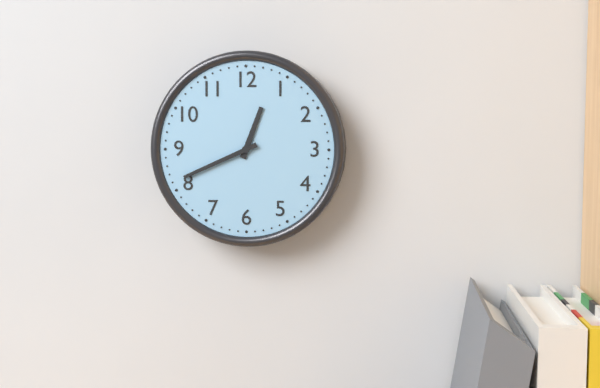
12.41
